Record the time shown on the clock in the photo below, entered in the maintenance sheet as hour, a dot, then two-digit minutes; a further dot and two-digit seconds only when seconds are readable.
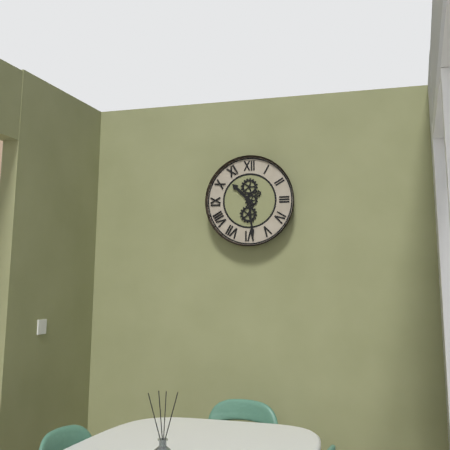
10.29
